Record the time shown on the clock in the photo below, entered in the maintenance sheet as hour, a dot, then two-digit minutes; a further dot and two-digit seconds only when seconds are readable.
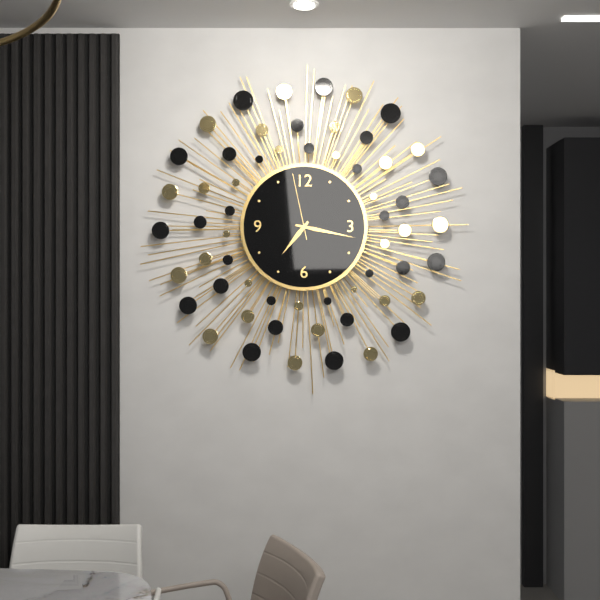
7.17.58
